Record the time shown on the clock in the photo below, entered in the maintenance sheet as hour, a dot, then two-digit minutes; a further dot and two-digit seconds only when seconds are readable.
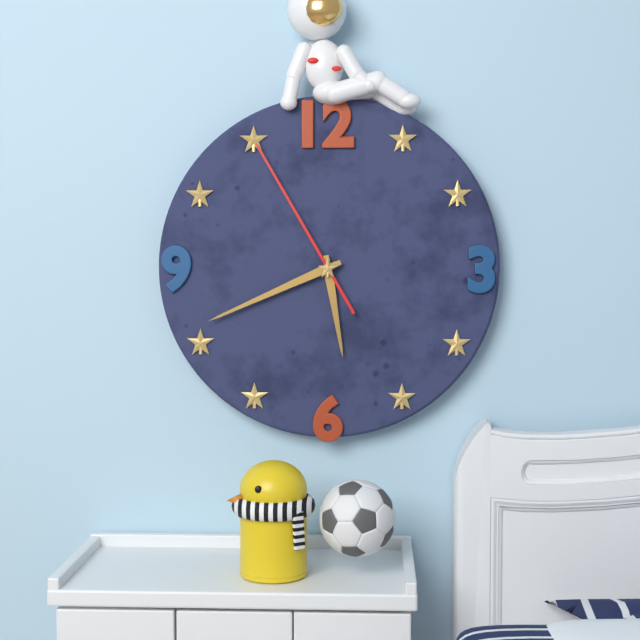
5.41.55
